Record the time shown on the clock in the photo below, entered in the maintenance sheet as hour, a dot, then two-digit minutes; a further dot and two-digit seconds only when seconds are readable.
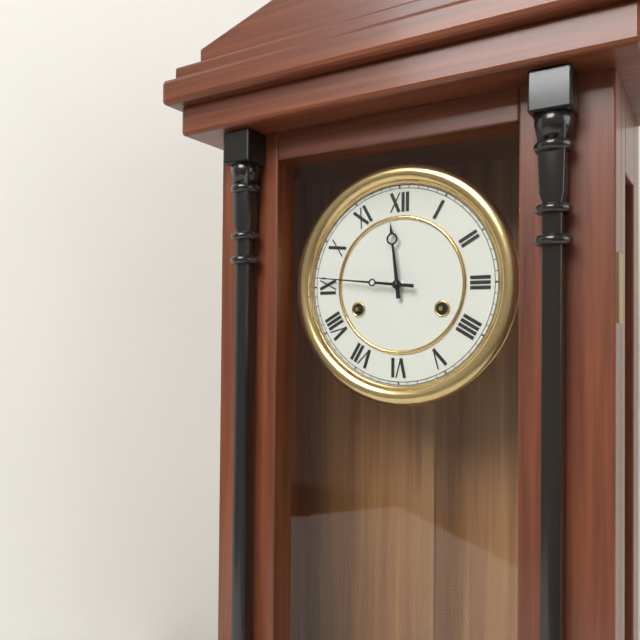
11.46
